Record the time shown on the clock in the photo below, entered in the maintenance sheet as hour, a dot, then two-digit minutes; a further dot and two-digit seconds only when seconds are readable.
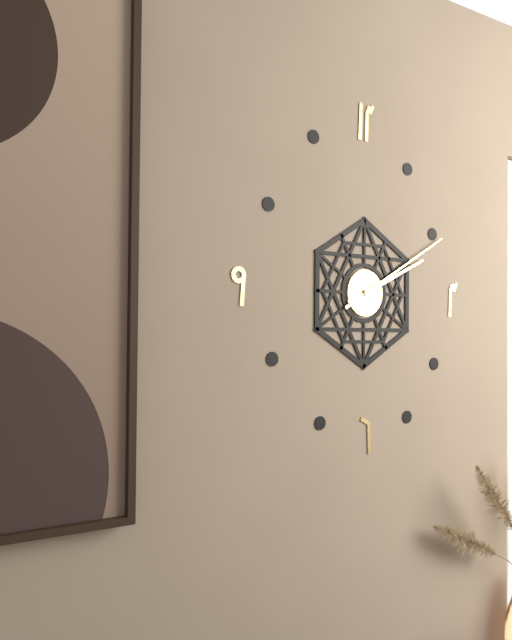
2.10
